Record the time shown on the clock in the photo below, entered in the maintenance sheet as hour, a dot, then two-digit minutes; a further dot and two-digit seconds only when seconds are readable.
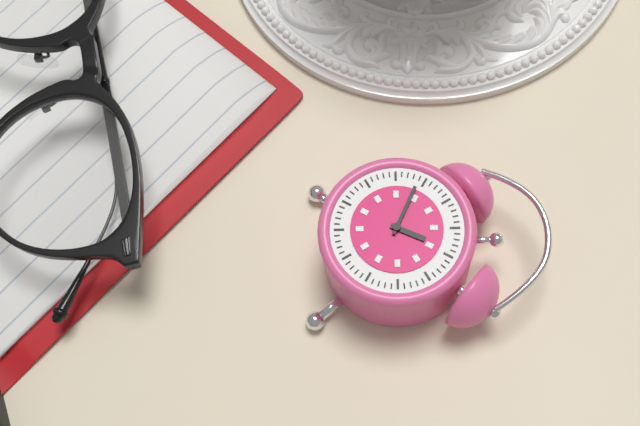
12.49
